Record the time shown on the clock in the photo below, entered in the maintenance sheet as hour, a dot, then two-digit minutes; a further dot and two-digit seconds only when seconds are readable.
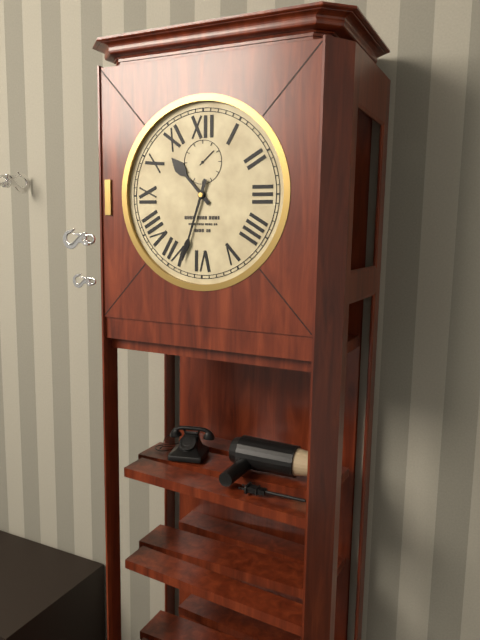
10.33
